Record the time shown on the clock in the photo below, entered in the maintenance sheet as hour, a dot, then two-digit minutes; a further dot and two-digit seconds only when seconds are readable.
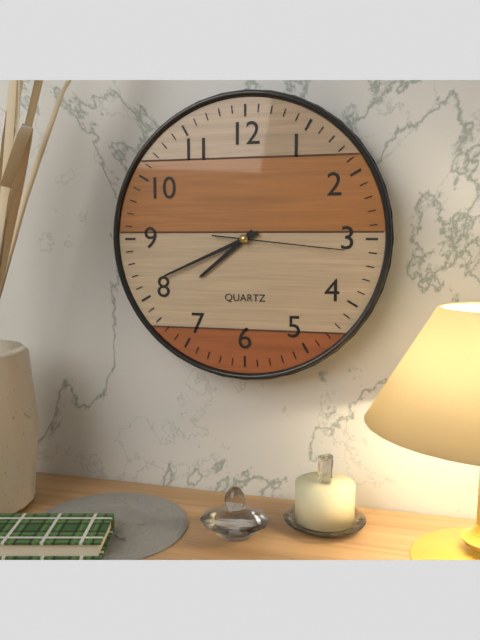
7.41.16
